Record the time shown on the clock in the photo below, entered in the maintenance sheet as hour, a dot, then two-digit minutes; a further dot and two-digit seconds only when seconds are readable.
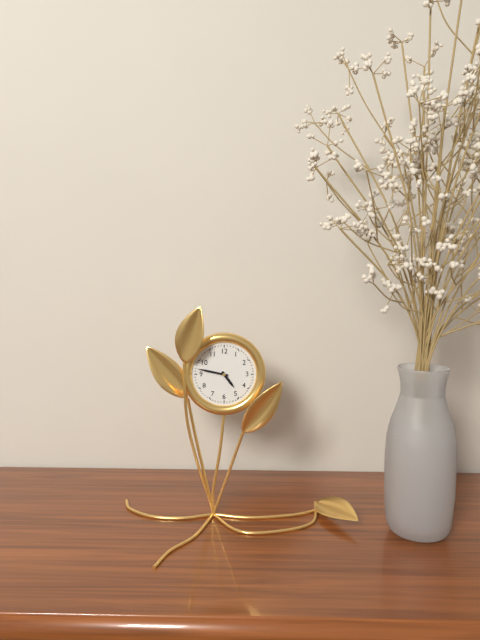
4.47
